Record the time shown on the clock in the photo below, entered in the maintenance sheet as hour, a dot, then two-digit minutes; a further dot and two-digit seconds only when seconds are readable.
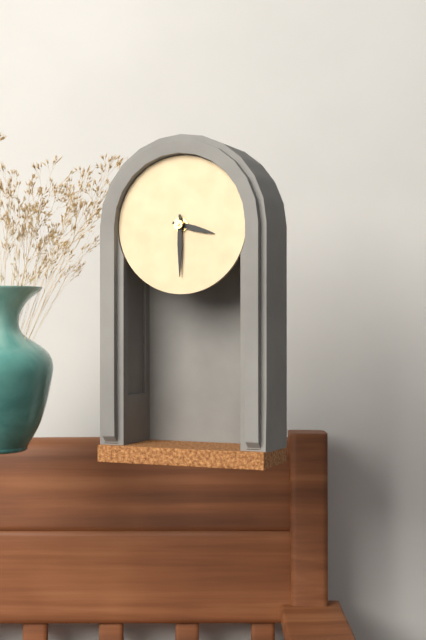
3.30
